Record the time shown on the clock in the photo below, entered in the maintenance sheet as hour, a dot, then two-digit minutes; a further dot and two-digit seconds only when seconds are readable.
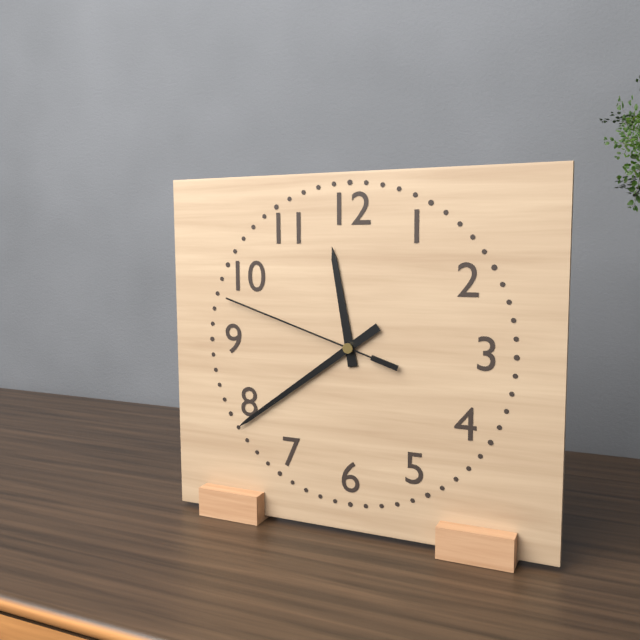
11.39.48
